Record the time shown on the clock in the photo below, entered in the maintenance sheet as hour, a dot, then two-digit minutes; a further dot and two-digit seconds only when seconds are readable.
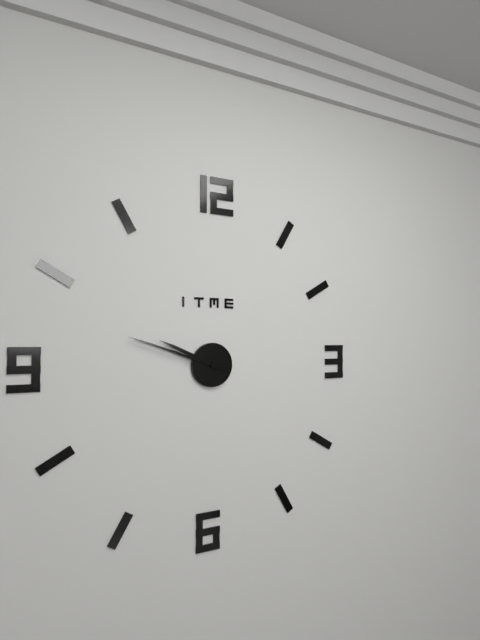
9.48
